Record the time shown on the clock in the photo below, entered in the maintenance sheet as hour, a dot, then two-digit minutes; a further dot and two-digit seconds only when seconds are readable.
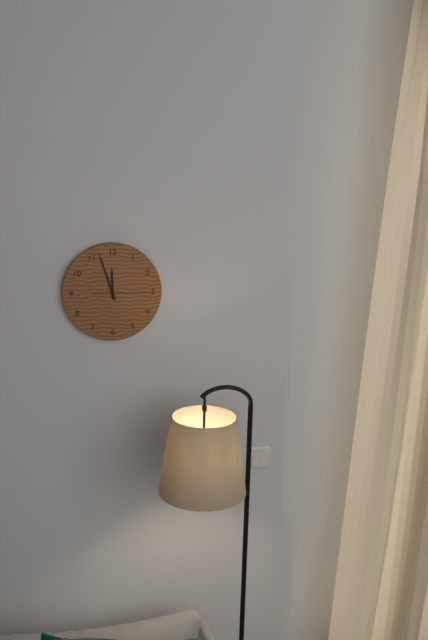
11.57
